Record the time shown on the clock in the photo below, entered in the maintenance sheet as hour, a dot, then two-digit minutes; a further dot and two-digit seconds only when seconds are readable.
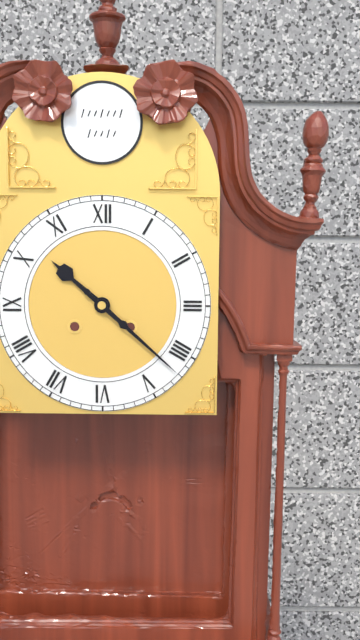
10.22
